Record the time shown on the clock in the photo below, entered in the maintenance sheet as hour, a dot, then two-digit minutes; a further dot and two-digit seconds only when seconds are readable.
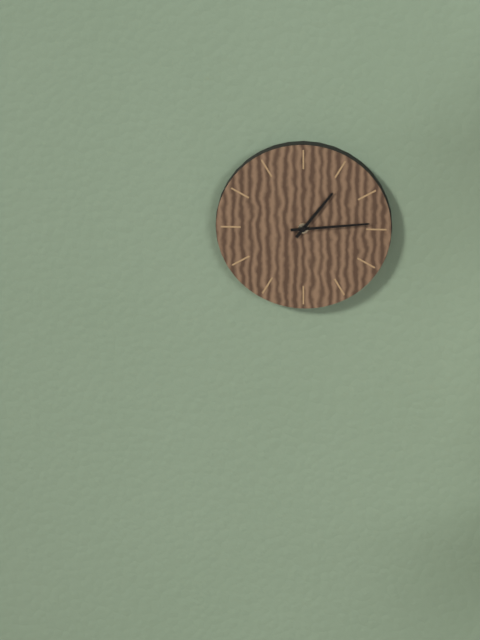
1.14
